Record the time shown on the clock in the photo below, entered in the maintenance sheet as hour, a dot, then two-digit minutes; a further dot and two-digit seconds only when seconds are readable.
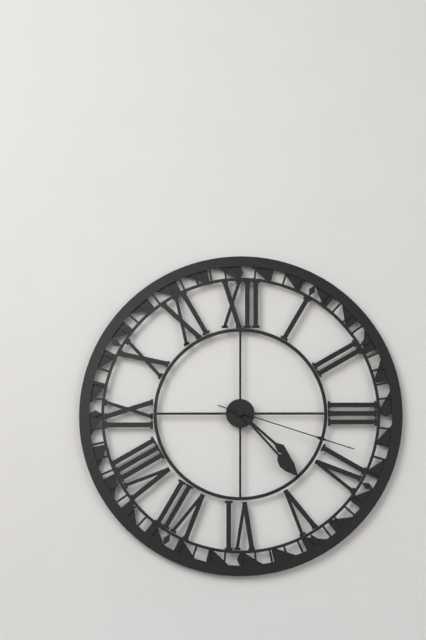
4.23.18
